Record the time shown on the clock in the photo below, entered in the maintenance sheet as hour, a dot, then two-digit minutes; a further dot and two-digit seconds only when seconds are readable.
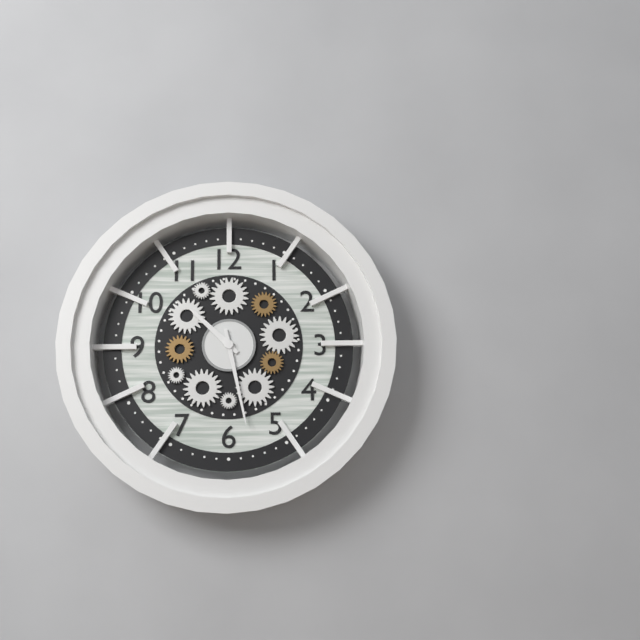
10.28
